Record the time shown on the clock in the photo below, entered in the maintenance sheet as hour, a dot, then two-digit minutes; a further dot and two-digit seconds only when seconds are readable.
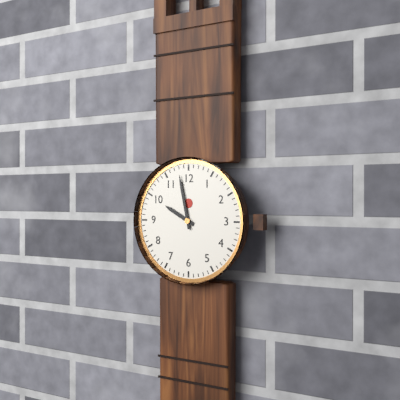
9.58
